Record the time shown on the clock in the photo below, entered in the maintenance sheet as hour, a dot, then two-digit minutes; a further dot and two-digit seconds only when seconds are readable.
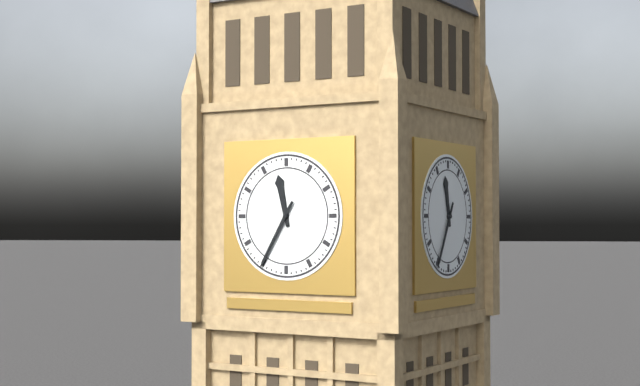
11.35
